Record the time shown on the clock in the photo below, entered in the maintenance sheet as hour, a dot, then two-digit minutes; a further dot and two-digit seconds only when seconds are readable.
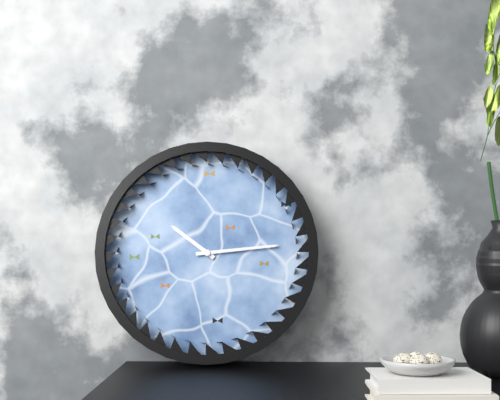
10.14
